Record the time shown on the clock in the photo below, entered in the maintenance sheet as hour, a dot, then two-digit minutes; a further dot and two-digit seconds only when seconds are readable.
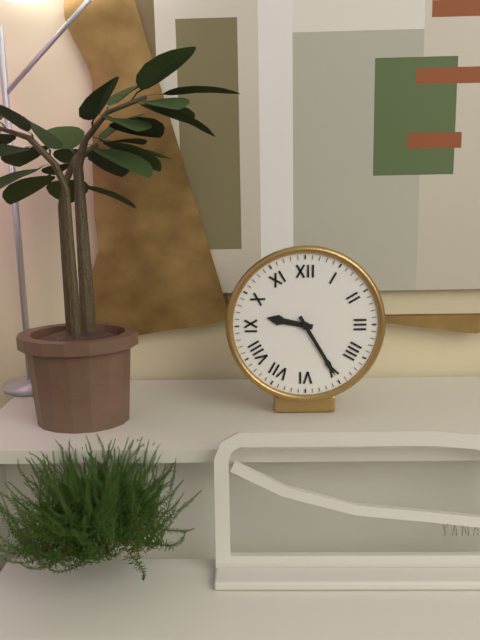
9.25
